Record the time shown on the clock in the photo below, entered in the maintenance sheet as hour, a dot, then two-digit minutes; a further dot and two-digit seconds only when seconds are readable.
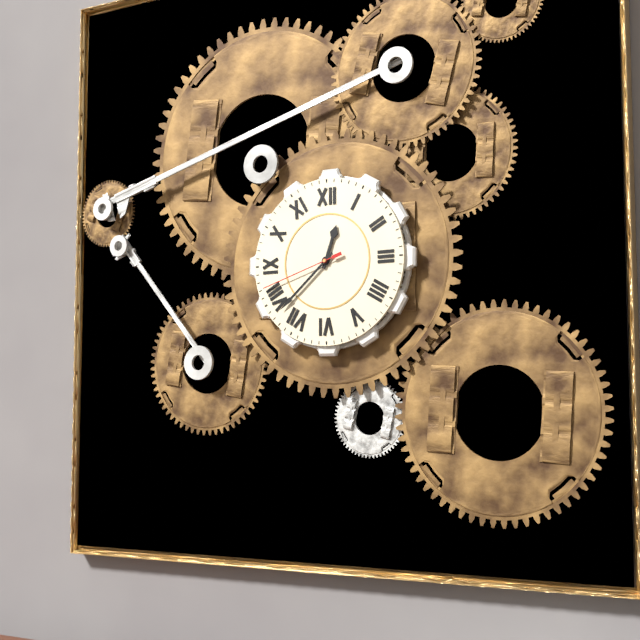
12.38.42
